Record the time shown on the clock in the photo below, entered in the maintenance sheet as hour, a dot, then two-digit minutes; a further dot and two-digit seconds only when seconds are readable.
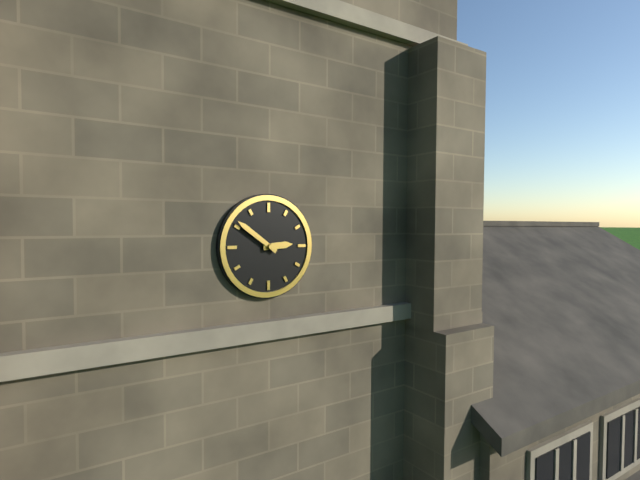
2.51
